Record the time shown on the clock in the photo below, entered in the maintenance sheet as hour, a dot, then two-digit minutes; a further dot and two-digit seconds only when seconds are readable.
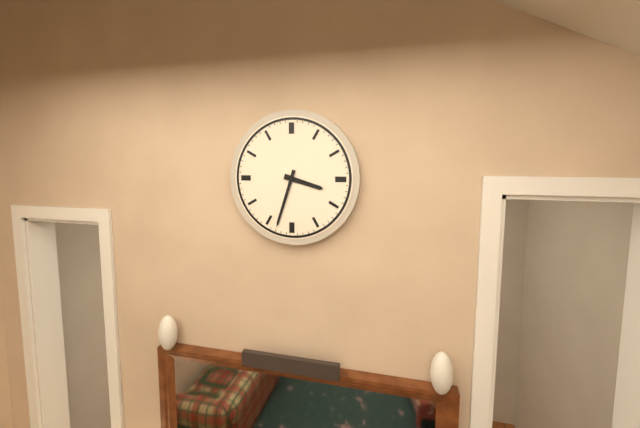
3.33
